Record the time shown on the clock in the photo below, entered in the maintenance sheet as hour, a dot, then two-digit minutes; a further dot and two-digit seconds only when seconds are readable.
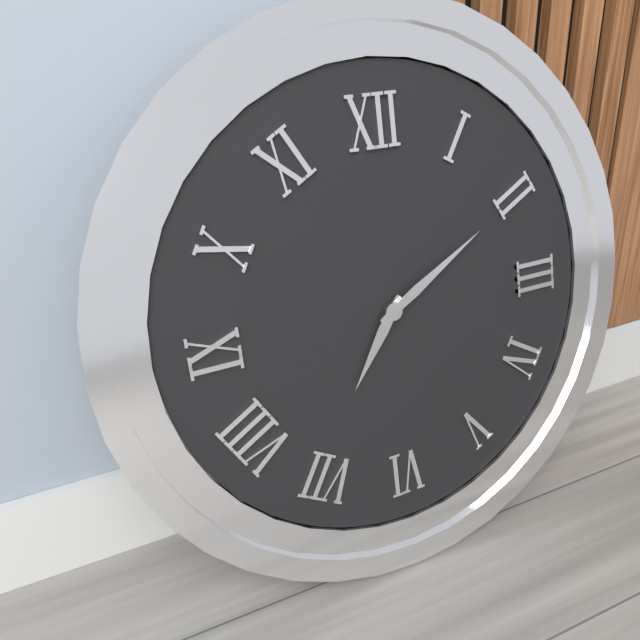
7.10
